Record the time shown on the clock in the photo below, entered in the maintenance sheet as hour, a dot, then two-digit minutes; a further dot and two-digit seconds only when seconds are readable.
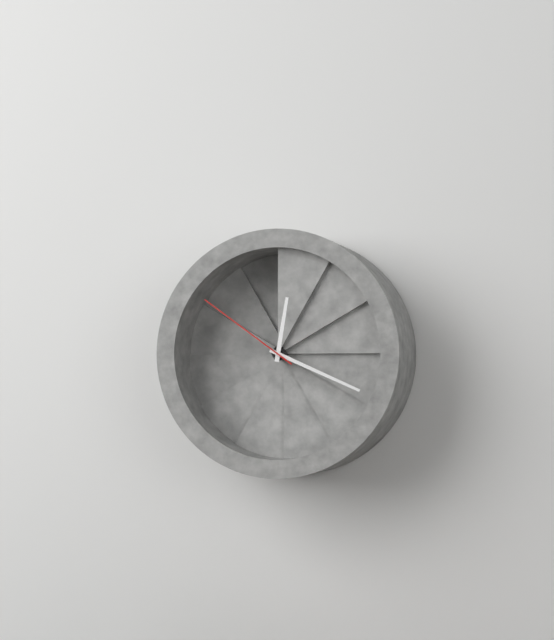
12.19.51
